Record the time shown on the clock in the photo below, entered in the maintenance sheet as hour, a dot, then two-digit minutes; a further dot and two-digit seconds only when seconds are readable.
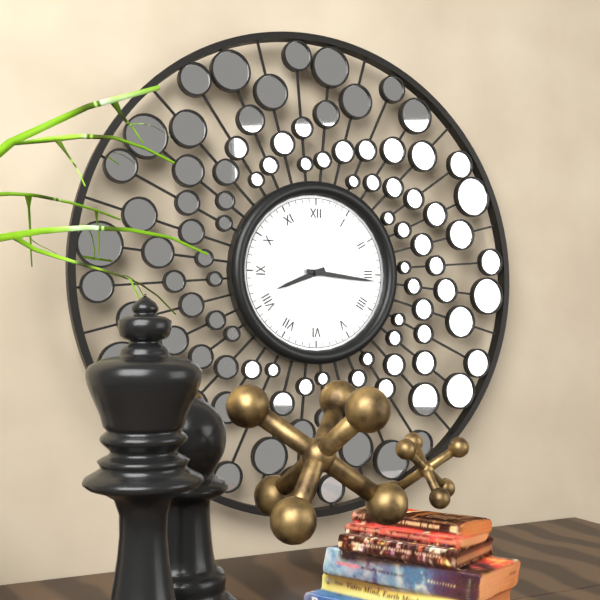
8.16
